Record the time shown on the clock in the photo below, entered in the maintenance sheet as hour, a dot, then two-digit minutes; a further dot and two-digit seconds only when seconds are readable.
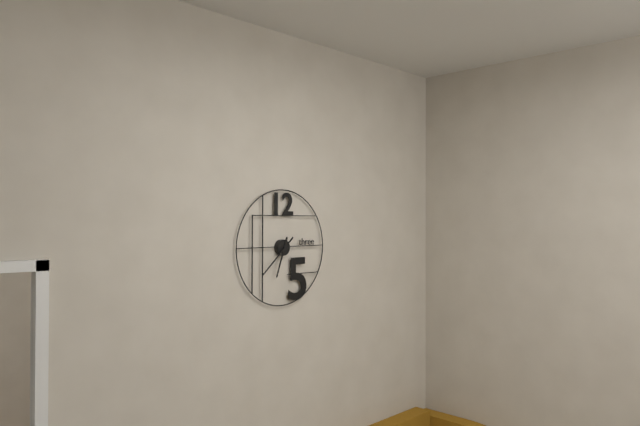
6.38
